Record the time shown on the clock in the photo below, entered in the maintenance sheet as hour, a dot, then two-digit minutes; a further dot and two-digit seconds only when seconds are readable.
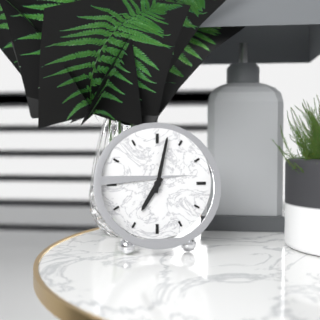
7.02
